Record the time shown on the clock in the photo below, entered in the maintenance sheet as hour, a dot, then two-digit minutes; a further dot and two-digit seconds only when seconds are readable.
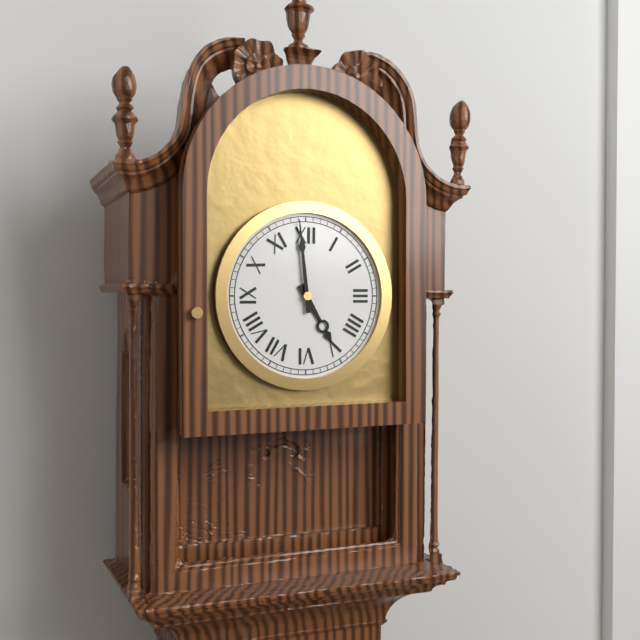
4.59
